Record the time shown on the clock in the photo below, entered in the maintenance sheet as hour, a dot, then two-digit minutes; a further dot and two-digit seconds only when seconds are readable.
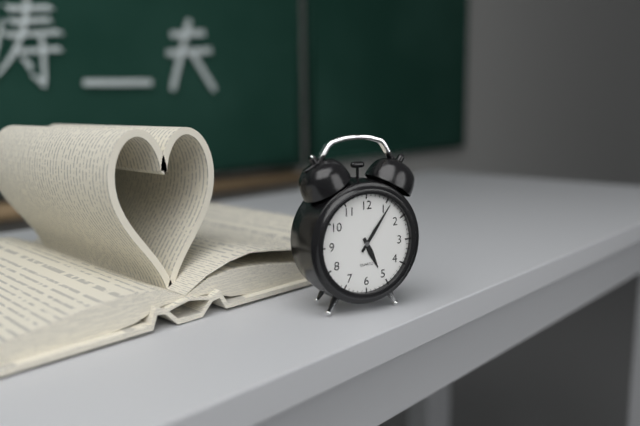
5.06
